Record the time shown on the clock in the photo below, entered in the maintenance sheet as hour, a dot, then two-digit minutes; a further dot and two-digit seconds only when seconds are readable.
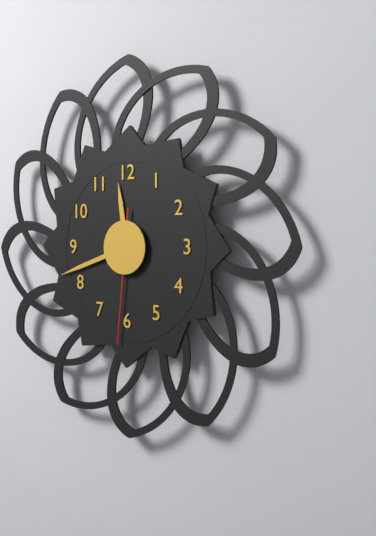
11.42.31
